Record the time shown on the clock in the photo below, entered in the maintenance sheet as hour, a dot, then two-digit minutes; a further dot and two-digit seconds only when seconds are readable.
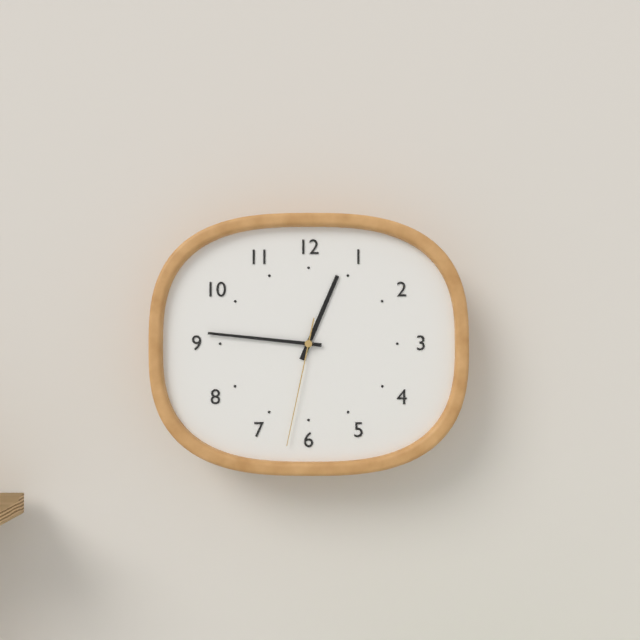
12.46.32
